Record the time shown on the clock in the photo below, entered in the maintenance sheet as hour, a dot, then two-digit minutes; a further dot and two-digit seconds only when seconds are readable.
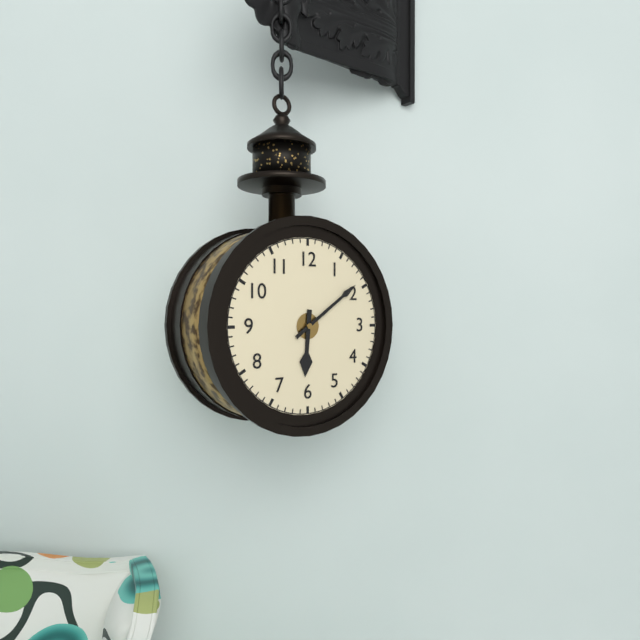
6.09
